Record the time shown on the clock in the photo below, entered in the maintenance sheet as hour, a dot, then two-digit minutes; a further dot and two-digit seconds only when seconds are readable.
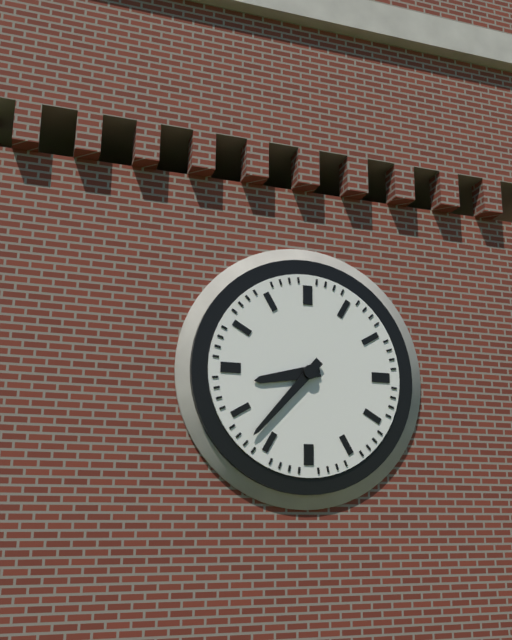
8.37
